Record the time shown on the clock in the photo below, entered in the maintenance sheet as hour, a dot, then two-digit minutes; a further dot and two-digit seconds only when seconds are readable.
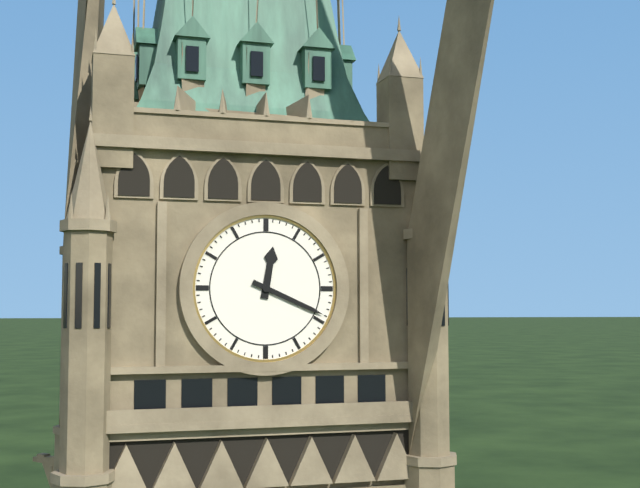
12.19
